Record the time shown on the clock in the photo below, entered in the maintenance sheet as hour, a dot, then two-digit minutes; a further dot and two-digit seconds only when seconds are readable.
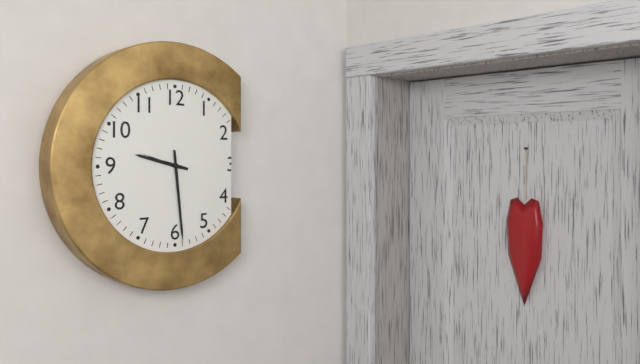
9.29
